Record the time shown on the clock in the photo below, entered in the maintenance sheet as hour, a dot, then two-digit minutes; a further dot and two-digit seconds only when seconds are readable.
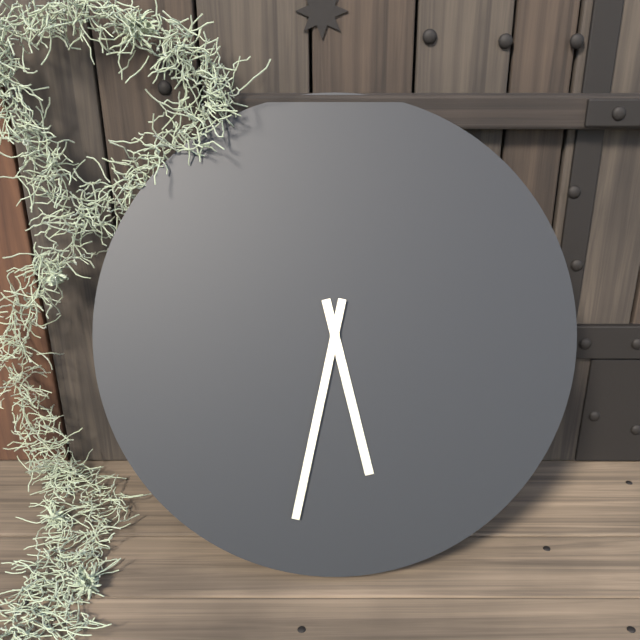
5.32
